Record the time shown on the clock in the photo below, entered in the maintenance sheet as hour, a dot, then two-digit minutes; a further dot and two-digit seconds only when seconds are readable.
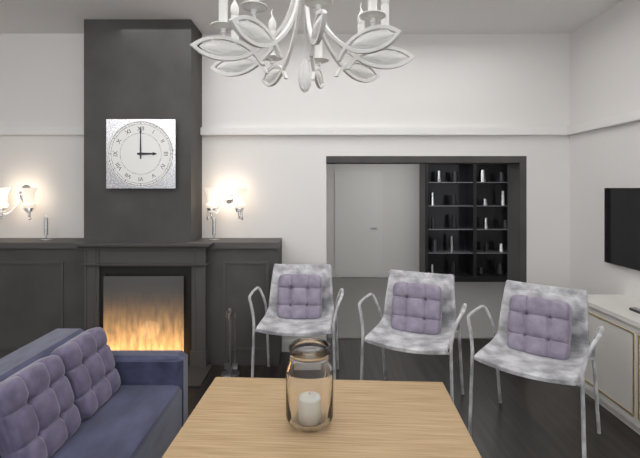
3.00
